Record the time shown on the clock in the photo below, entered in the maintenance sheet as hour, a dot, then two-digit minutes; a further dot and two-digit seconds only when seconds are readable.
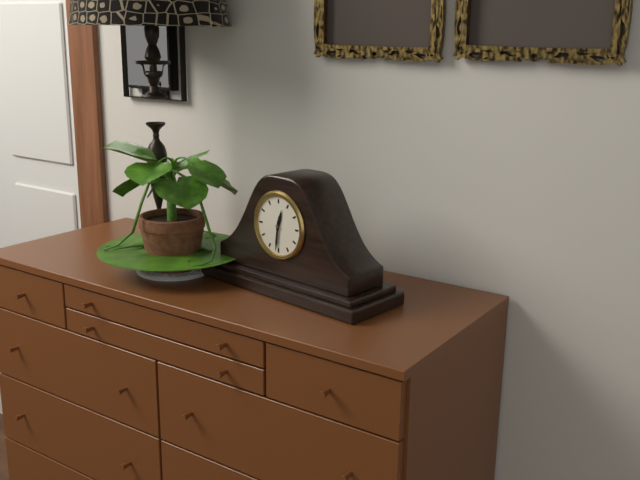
12.31
